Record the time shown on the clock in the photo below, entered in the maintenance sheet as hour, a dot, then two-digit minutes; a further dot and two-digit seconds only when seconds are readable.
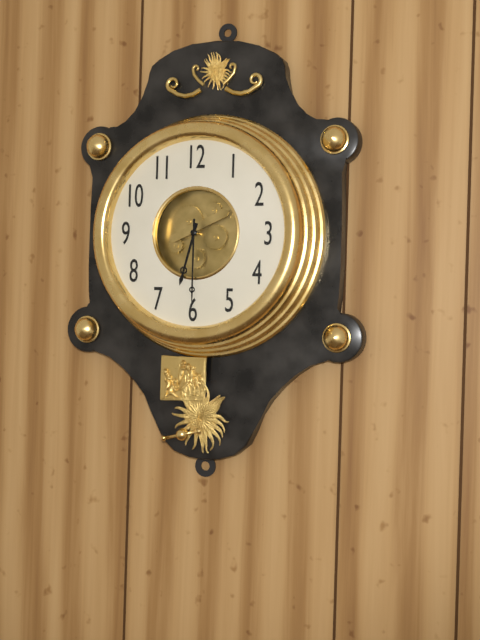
6.30
